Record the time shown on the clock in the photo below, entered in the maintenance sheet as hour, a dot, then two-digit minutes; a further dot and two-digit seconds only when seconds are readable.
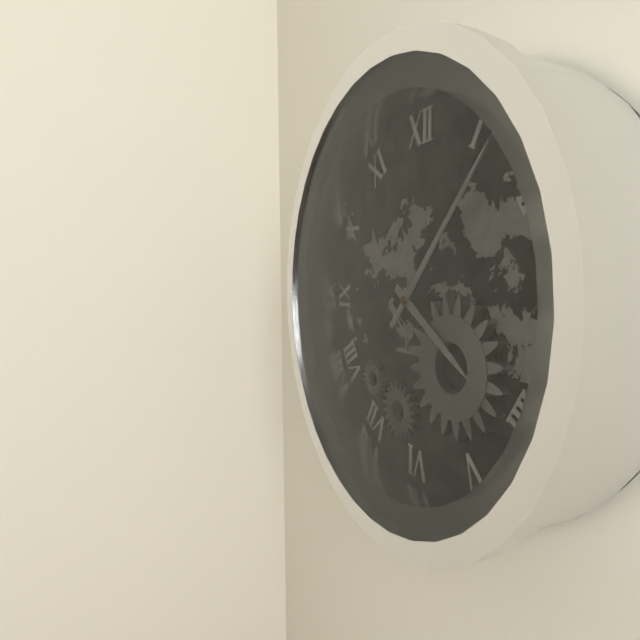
4.07
